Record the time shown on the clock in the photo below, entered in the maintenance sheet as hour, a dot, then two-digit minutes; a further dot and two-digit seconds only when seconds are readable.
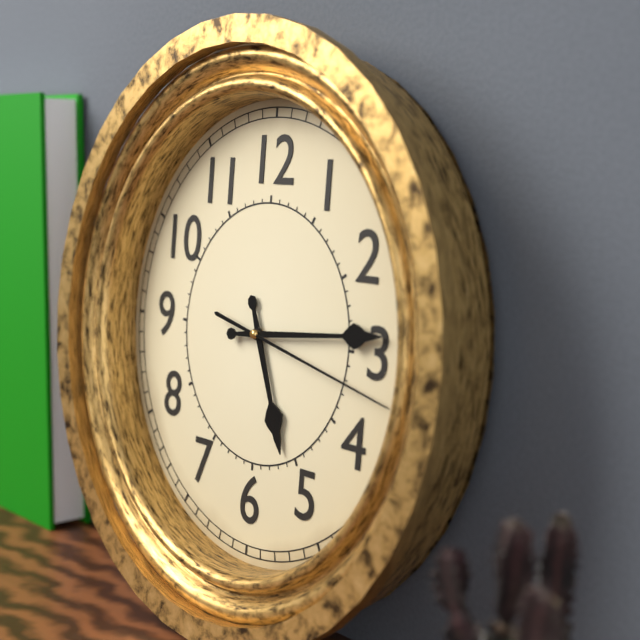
5.14.17
